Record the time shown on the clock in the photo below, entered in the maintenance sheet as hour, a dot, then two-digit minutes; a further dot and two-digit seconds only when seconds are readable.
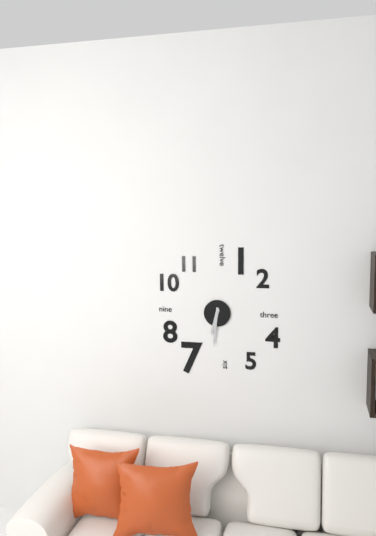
6.31
